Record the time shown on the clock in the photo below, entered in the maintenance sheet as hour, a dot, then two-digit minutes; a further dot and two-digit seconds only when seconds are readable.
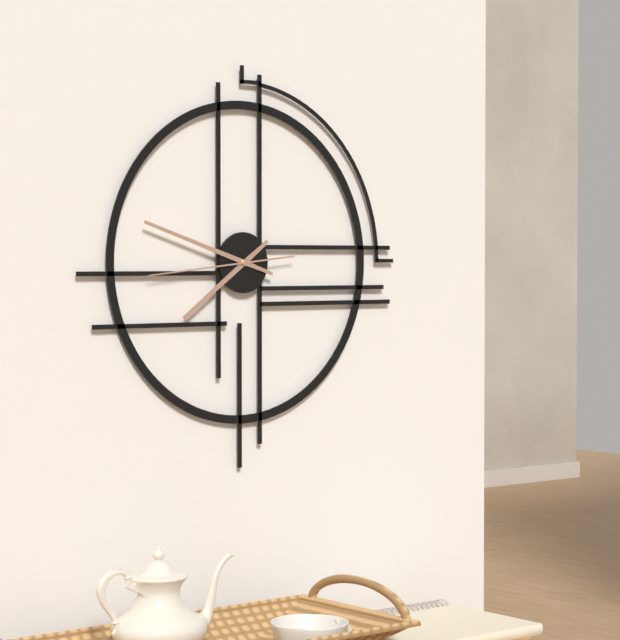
7.48.44
